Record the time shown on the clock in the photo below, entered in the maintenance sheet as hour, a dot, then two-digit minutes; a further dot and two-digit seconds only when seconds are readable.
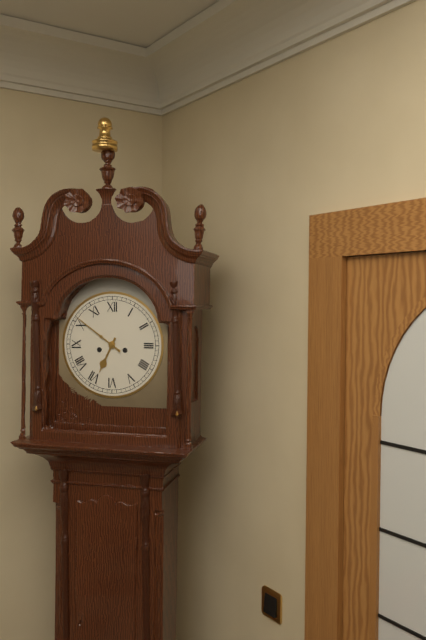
6.51
